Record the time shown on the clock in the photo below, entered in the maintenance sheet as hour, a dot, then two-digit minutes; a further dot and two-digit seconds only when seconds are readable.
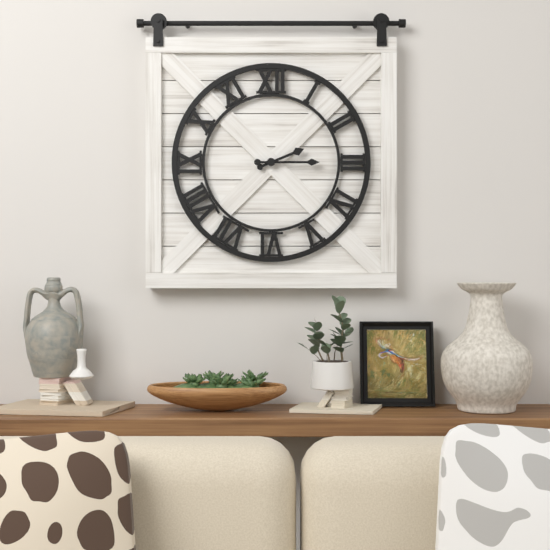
2.15
